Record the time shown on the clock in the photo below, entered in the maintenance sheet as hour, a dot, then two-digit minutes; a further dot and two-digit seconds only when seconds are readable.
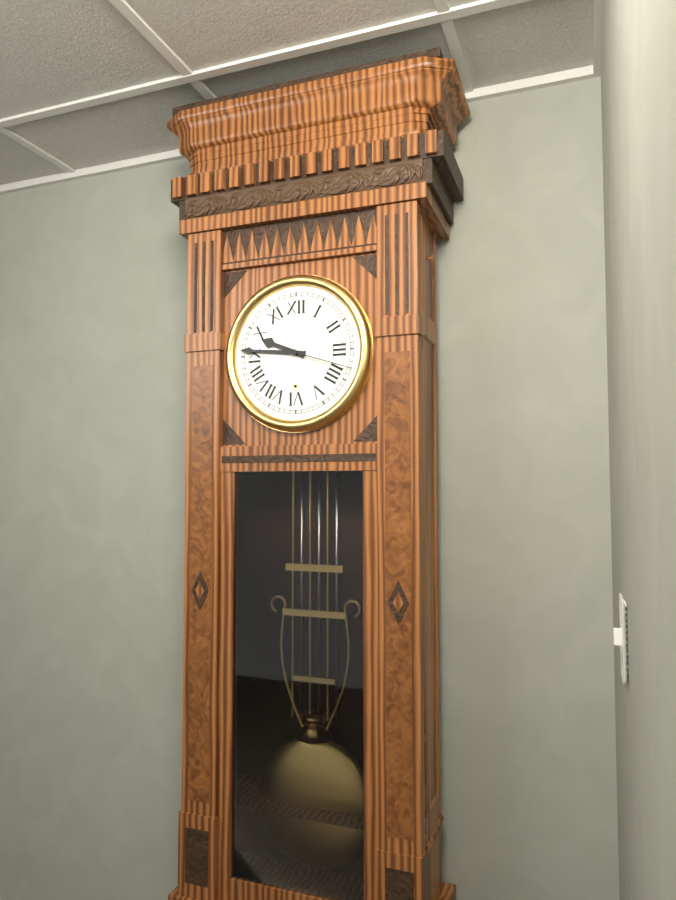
9.46
